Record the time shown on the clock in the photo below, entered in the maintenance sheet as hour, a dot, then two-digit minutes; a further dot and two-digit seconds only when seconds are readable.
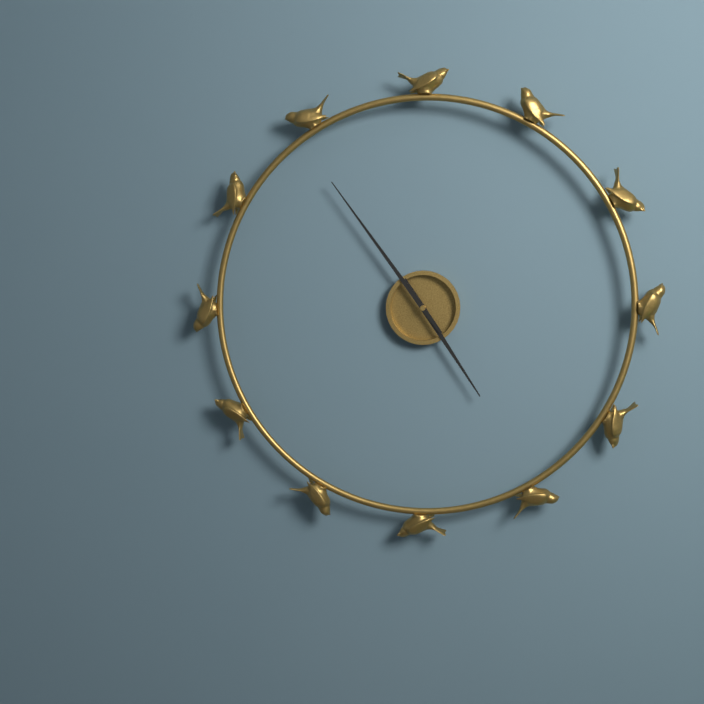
4.54
